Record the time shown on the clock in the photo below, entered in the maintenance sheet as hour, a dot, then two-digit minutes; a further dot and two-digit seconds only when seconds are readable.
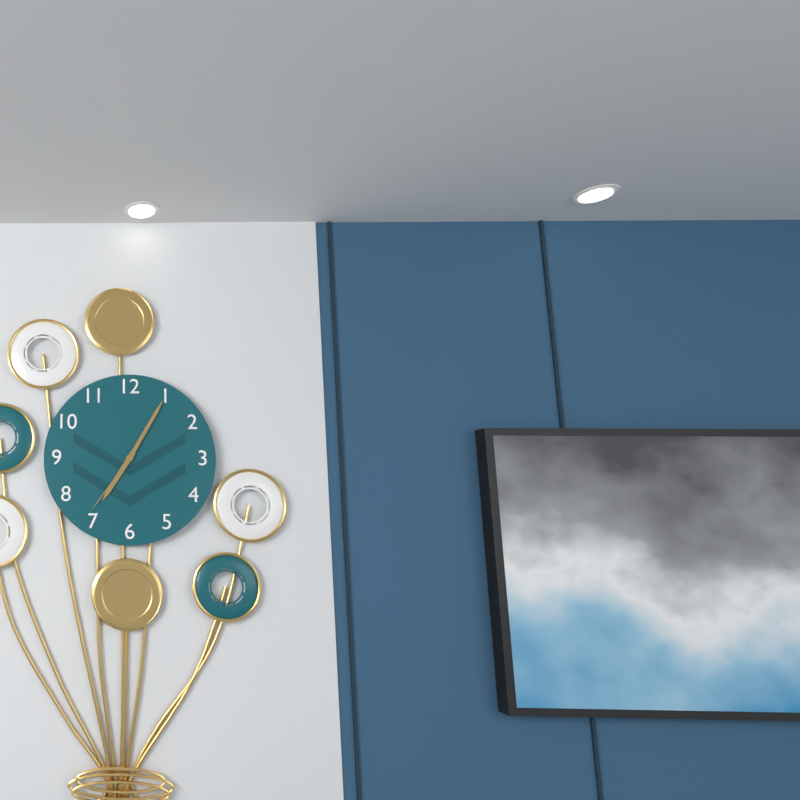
7.05.36
